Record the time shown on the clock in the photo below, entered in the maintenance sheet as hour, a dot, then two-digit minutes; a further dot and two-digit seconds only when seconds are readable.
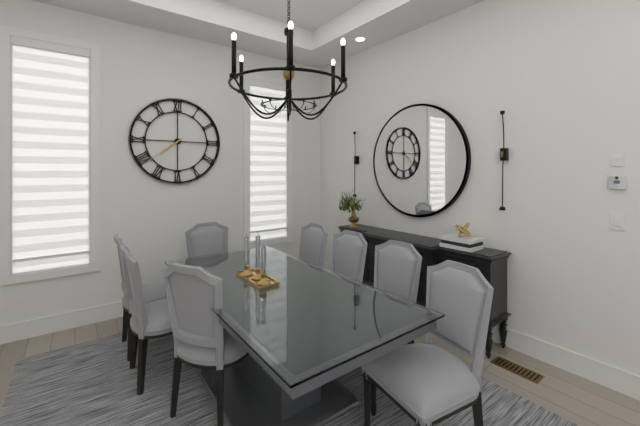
7.39
